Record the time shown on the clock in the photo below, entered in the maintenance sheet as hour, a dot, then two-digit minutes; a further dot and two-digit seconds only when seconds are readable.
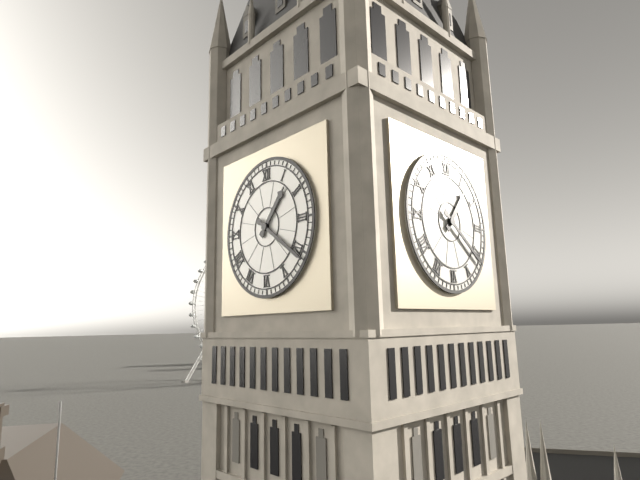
1.21
